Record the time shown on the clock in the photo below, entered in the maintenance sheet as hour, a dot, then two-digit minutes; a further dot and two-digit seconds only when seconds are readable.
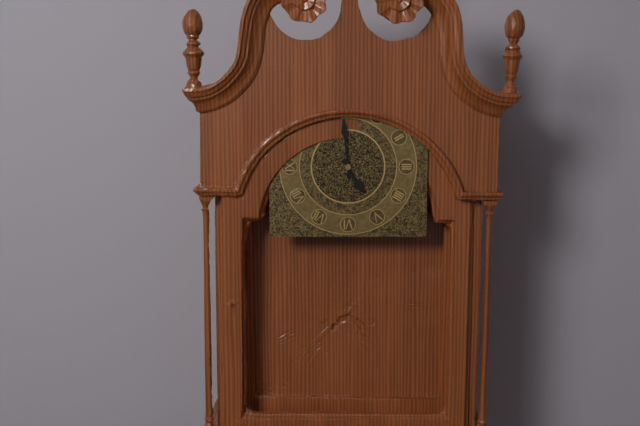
4.59
